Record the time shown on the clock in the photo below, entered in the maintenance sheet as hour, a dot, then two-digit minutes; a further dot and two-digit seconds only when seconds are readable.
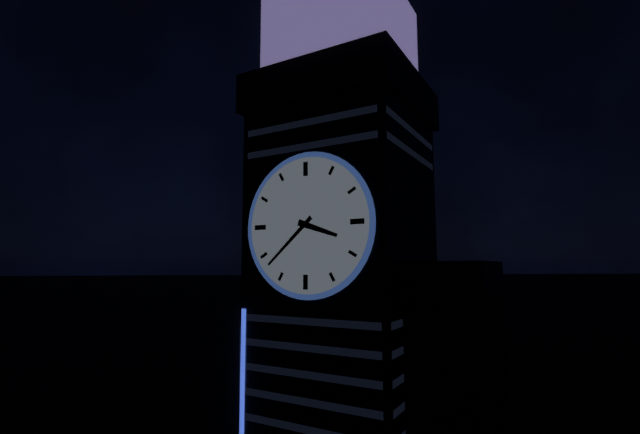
3.38
